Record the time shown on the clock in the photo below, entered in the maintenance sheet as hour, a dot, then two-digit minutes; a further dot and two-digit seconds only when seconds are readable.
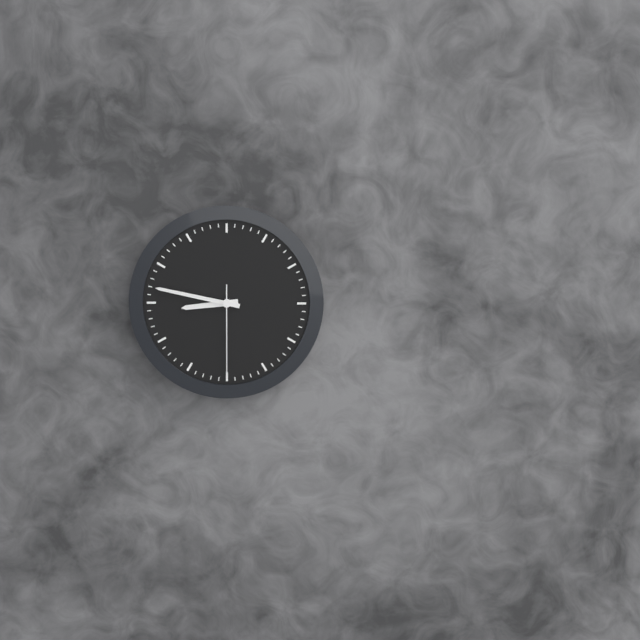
8.47.30
